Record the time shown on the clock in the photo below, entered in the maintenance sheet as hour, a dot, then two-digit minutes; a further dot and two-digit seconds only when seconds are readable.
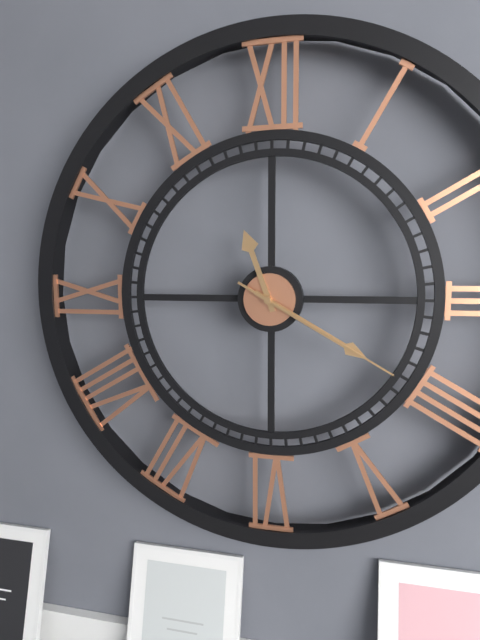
11.20.20
